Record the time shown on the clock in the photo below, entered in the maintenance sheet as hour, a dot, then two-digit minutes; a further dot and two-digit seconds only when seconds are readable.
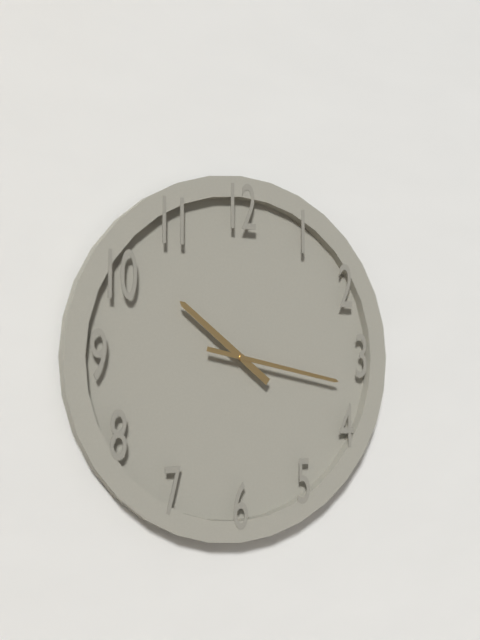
10.17
